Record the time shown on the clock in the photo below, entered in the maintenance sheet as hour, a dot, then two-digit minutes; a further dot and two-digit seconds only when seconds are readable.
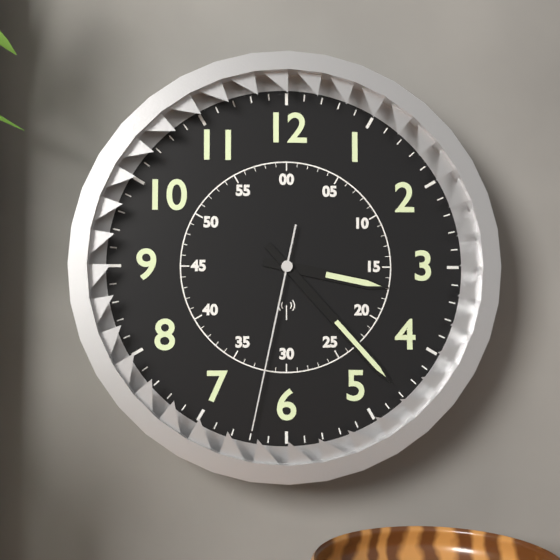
3.23.32
